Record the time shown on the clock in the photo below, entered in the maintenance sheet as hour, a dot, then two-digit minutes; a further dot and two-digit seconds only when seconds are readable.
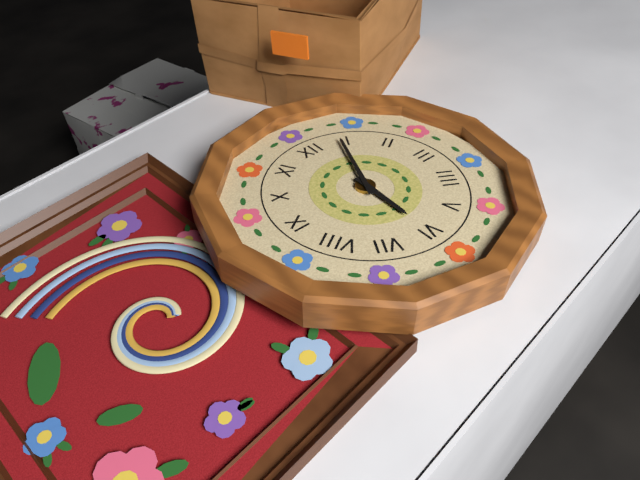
6.04
